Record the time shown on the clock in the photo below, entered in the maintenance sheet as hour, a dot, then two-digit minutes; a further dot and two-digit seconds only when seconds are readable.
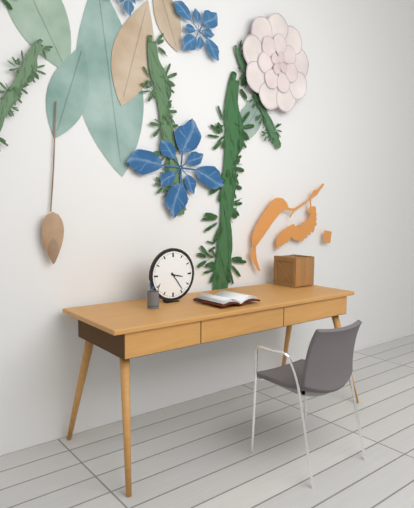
3.24
